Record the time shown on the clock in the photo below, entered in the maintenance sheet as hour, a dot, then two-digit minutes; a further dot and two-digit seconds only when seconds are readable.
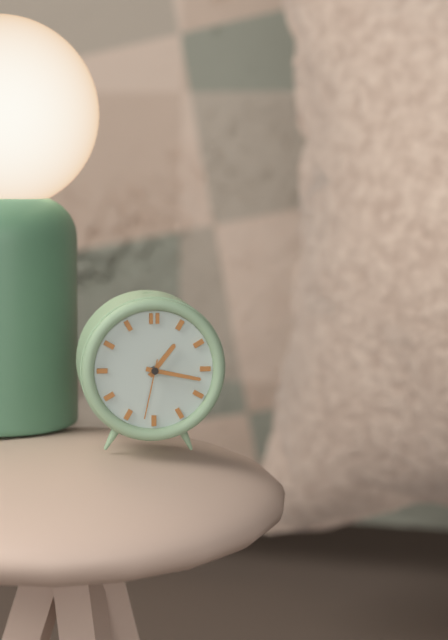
1.17.32
